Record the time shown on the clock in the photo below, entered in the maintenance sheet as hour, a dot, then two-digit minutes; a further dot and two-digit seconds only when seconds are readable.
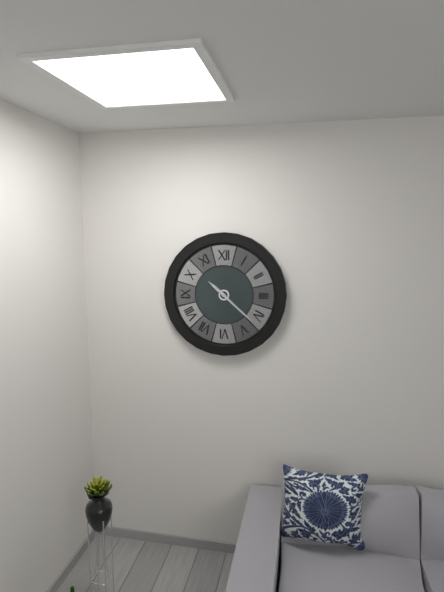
10.22
